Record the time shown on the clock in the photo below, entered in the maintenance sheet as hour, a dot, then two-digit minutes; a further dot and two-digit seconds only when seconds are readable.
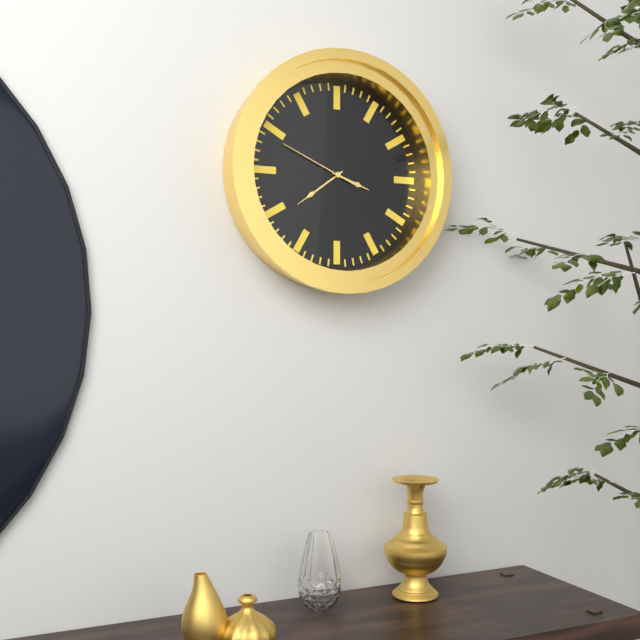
3.39.49
